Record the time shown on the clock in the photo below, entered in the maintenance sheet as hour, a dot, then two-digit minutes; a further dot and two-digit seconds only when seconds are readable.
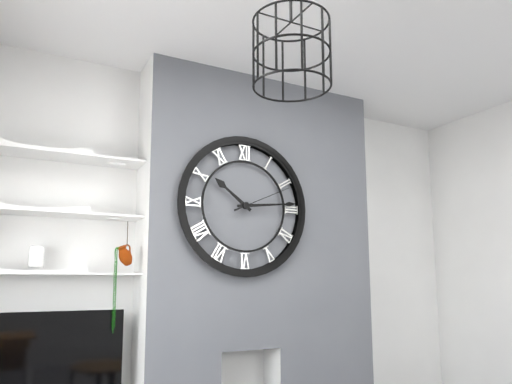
10.14.11
